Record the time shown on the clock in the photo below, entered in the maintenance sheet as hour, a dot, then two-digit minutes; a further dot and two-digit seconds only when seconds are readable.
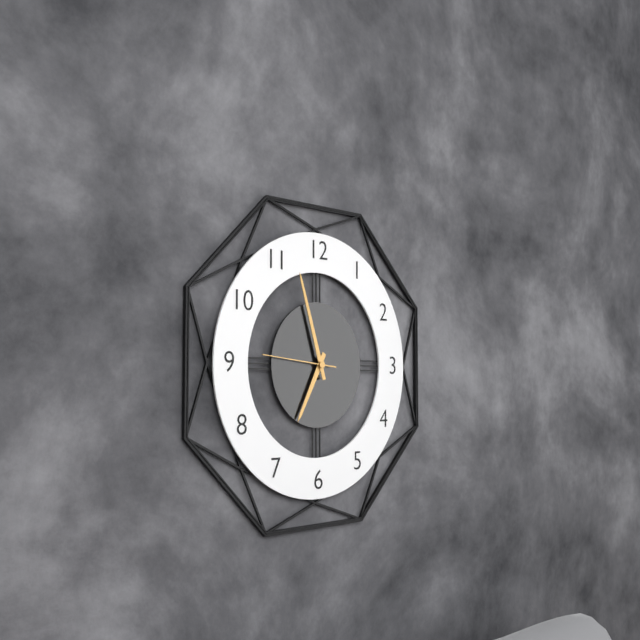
6.57.46
